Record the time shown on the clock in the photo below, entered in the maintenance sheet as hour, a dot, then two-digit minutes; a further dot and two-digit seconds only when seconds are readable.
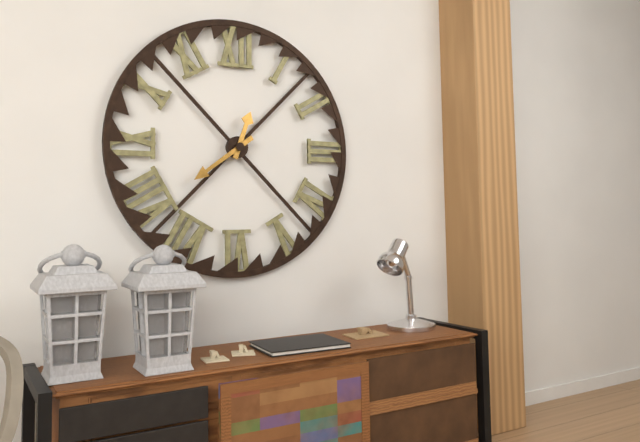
12.39
